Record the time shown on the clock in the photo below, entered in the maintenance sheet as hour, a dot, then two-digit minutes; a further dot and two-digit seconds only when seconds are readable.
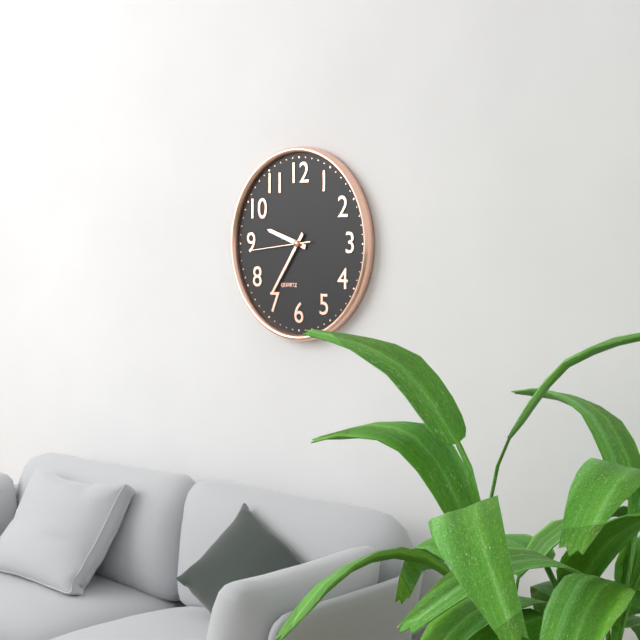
9.36.44
